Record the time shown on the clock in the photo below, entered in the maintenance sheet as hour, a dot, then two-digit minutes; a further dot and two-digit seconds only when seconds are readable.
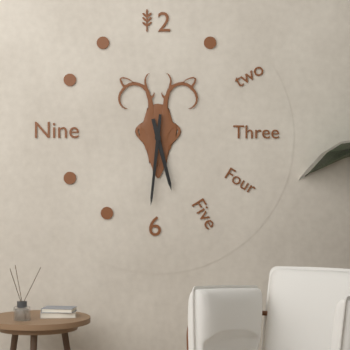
5.31
